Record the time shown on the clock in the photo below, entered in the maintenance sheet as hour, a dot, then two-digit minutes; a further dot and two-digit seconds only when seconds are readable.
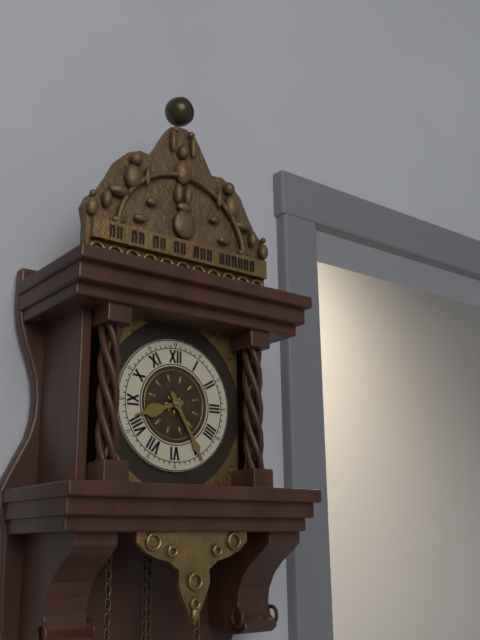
8.25
